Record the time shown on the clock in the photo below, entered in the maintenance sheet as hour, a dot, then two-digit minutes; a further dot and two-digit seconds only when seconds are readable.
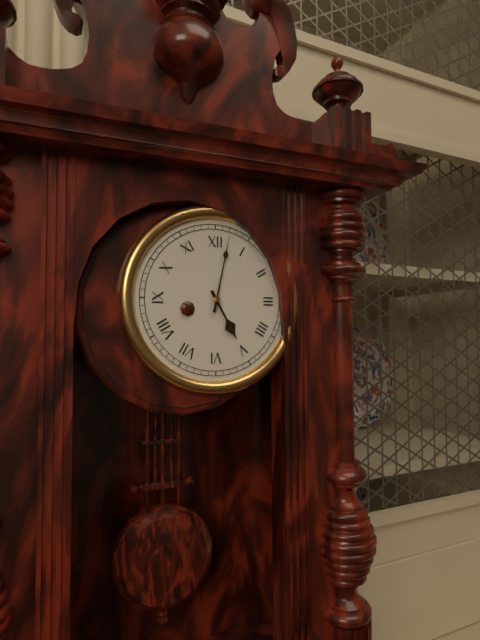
5.02
